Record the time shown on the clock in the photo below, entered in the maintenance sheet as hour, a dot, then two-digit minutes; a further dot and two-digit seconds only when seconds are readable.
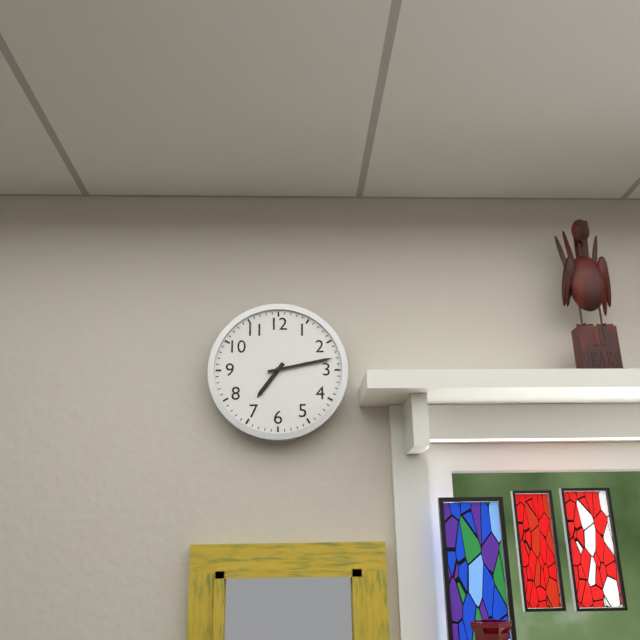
7.13
